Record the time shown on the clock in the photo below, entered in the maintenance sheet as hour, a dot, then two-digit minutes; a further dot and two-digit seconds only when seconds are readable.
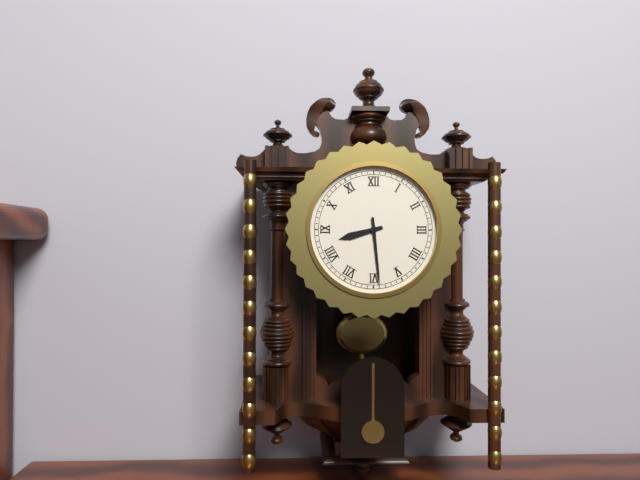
8.29
